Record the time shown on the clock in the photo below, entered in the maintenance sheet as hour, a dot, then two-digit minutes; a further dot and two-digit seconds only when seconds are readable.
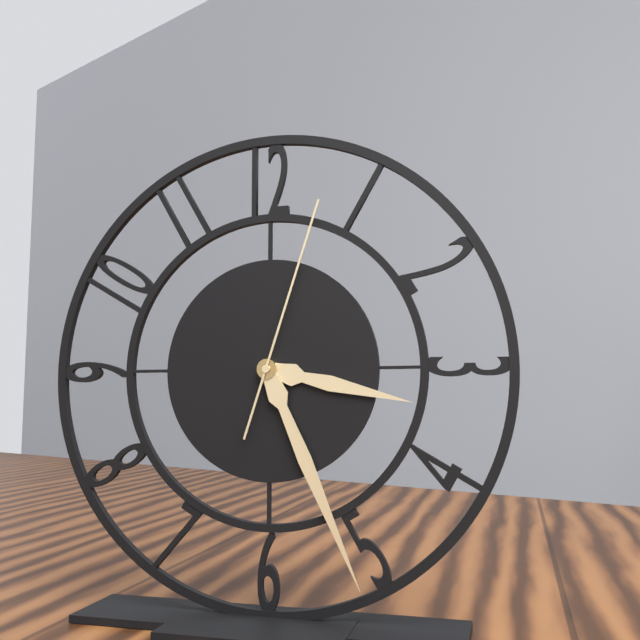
3.26.03
